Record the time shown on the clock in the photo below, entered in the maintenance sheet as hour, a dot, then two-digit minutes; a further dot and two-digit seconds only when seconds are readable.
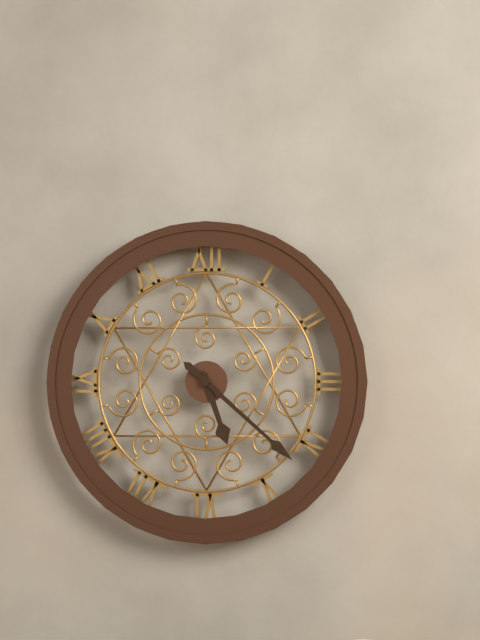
5.22
